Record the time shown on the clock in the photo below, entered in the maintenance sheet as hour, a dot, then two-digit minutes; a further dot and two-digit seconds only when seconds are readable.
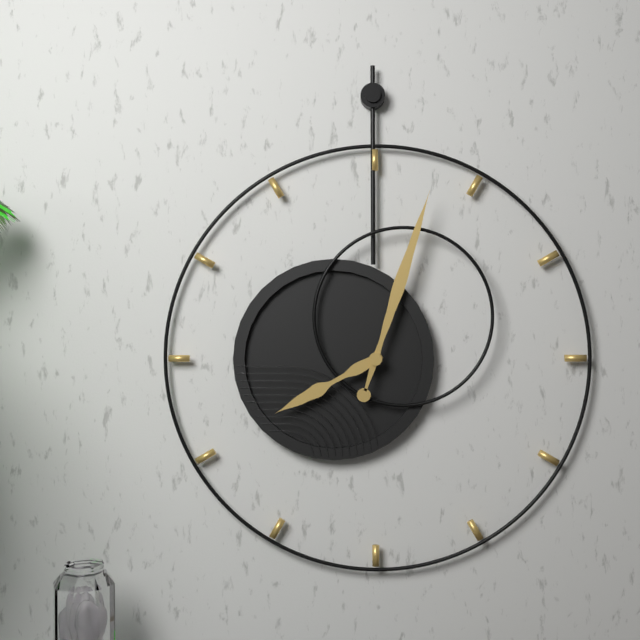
8.03
